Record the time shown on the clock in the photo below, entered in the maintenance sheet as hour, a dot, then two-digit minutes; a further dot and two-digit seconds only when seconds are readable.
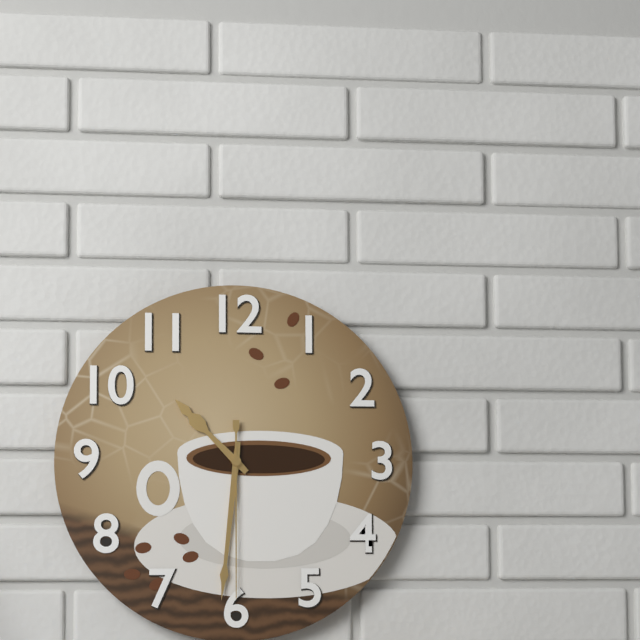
10.31.30
